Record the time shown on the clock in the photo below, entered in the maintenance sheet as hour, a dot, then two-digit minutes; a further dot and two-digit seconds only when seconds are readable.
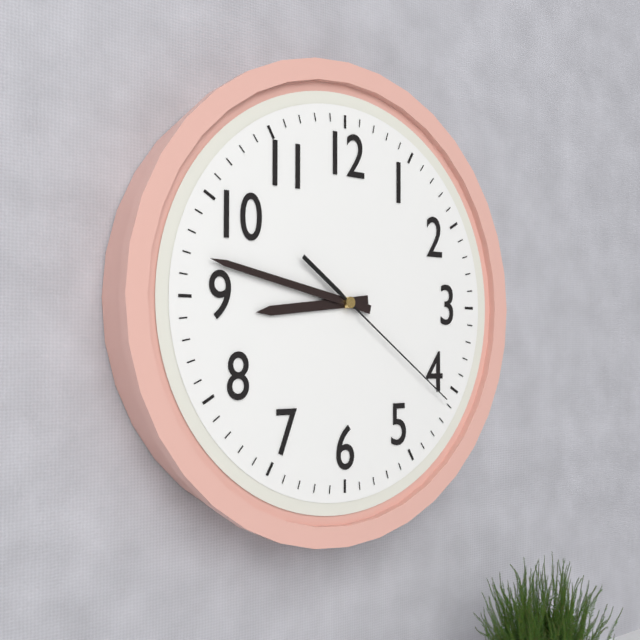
8.47.21
